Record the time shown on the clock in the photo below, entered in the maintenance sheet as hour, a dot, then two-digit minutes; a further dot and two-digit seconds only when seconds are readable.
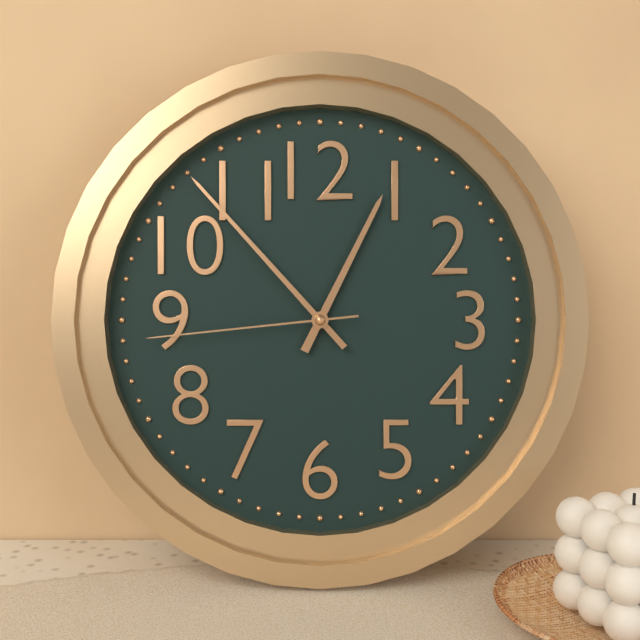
12.53.44
